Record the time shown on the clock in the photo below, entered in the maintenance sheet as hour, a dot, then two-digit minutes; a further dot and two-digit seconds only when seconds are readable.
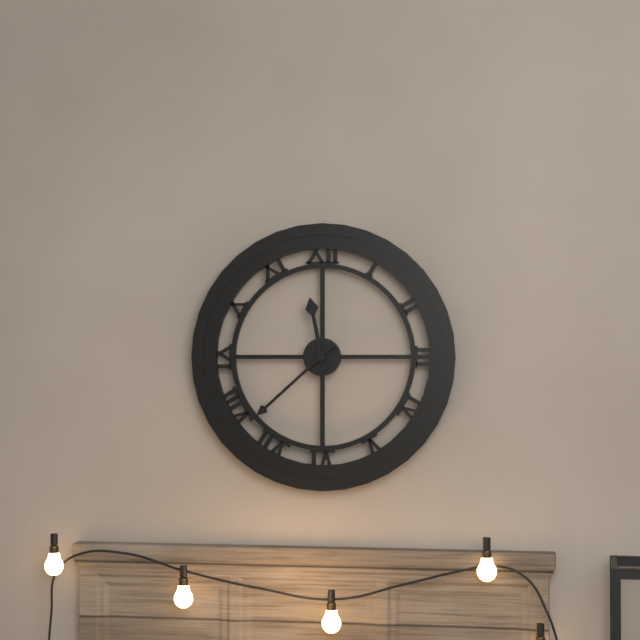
11.38
